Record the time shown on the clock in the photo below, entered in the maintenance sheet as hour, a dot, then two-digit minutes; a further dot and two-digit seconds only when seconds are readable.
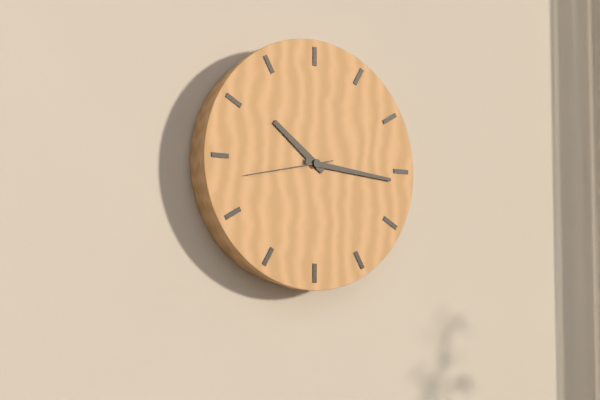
10.16.43
